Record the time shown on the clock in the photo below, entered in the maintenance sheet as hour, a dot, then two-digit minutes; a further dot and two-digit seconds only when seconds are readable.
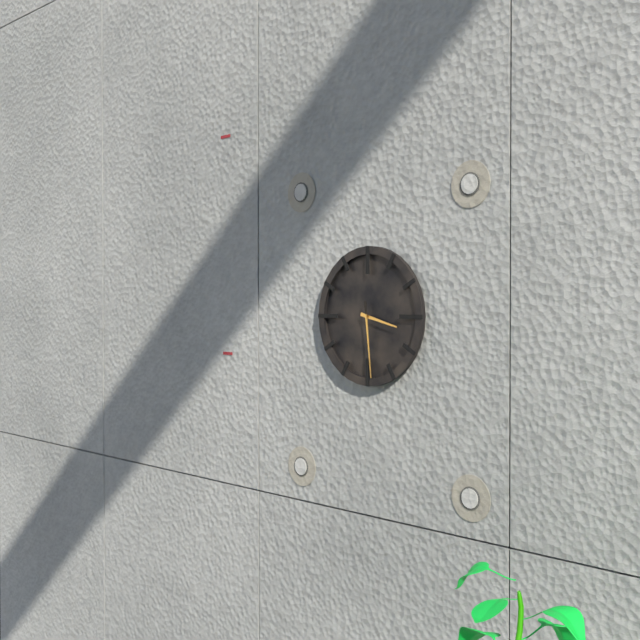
3.29
